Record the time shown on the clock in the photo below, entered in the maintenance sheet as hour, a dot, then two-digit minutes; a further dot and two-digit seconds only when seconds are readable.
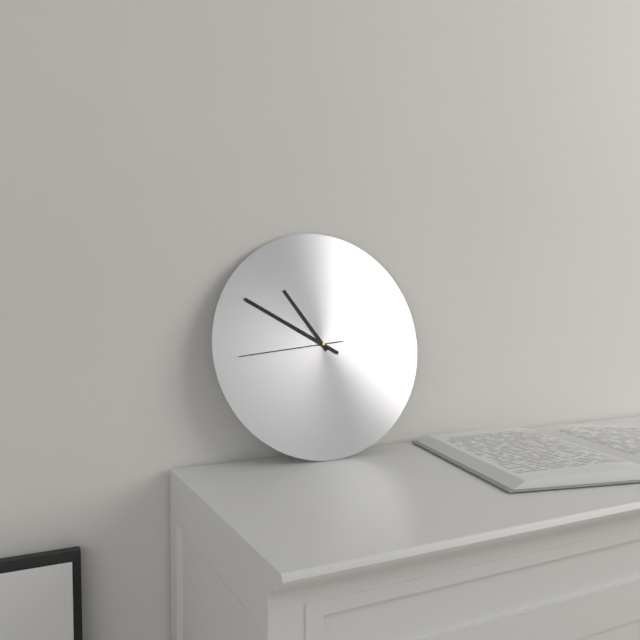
10.50.44
